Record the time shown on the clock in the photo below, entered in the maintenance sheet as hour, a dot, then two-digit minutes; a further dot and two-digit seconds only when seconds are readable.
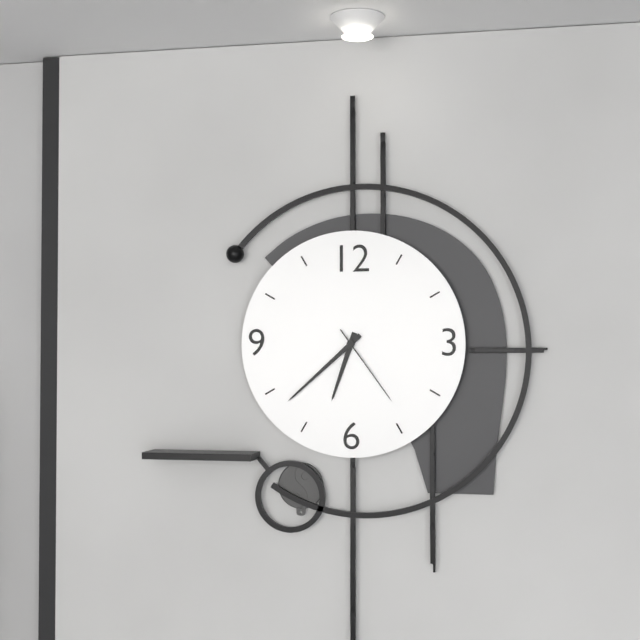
6.38.24
